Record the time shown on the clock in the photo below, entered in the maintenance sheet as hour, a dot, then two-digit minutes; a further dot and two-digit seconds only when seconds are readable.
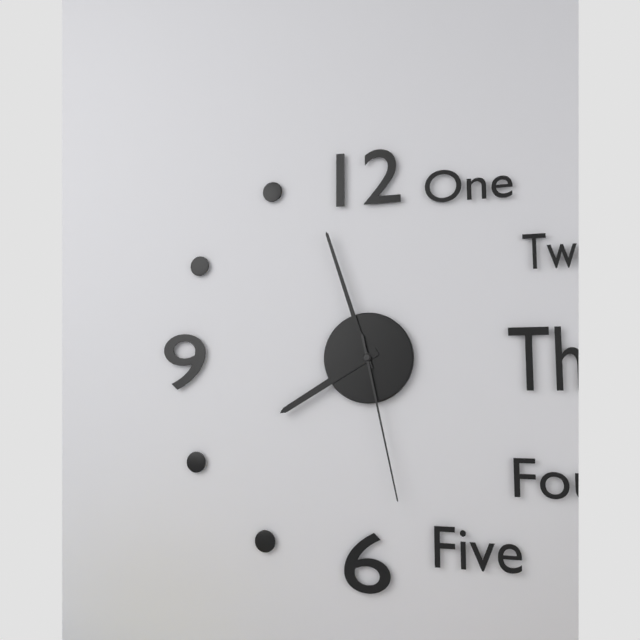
7.57.28
